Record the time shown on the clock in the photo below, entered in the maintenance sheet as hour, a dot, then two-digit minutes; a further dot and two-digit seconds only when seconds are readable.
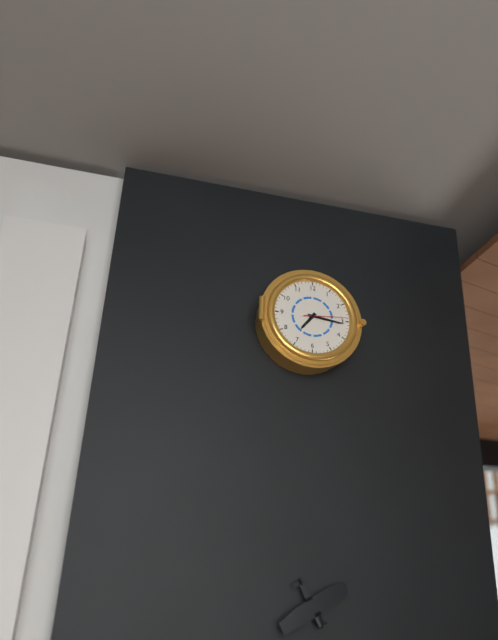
7.16
